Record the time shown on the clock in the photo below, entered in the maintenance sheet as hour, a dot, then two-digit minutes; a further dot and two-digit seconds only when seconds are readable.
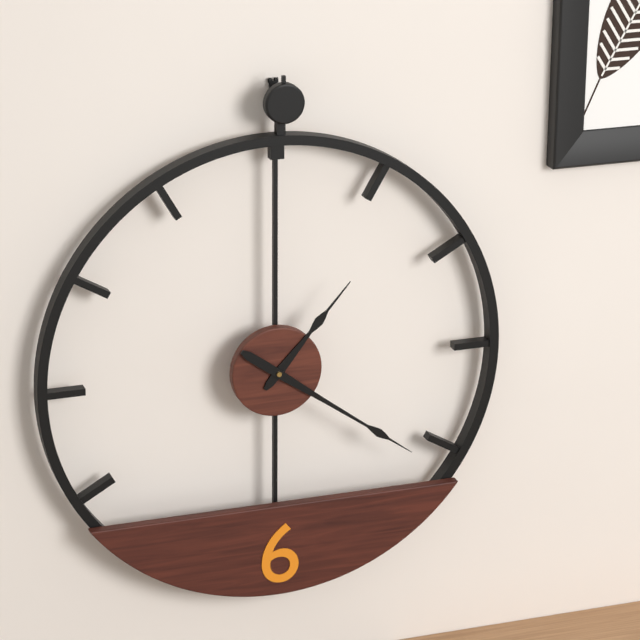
1.21
